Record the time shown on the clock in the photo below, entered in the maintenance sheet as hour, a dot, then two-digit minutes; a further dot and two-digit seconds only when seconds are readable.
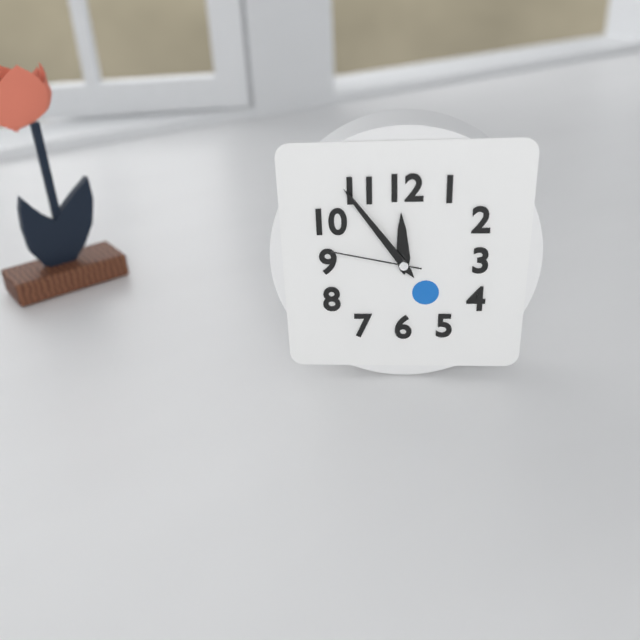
11.54.47
